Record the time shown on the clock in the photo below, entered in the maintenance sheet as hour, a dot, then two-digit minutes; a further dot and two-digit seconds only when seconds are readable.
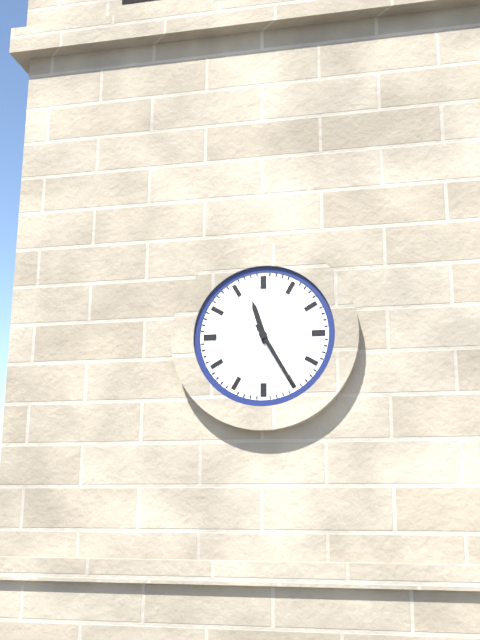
11.25
